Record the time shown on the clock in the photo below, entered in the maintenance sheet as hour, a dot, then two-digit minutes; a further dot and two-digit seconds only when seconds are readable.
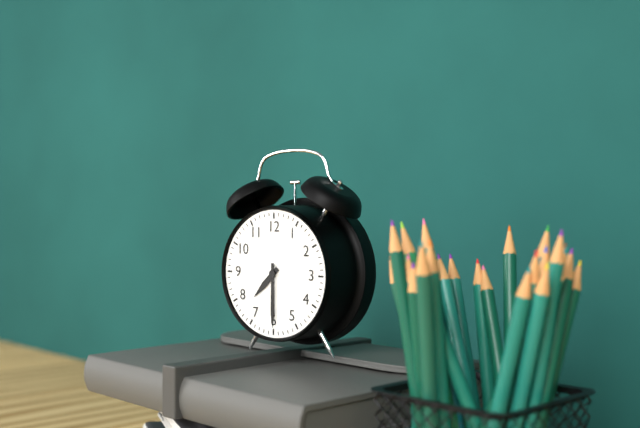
7.30
